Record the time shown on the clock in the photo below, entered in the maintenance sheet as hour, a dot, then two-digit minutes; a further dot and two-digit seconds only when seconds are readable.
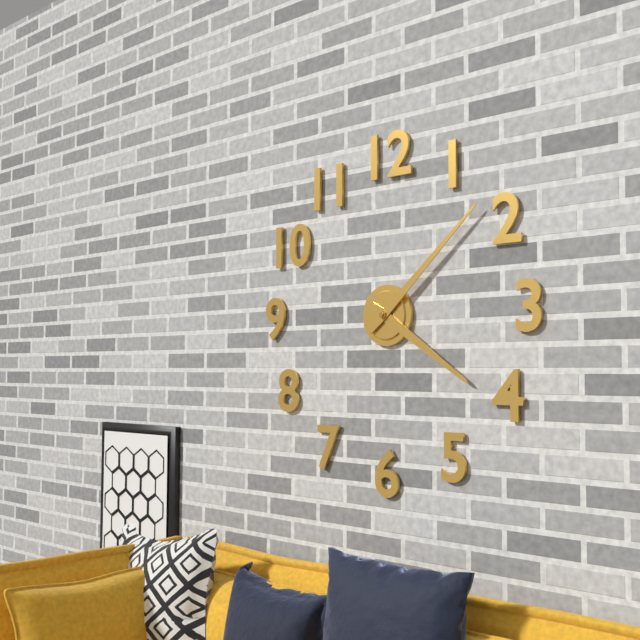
4.08
